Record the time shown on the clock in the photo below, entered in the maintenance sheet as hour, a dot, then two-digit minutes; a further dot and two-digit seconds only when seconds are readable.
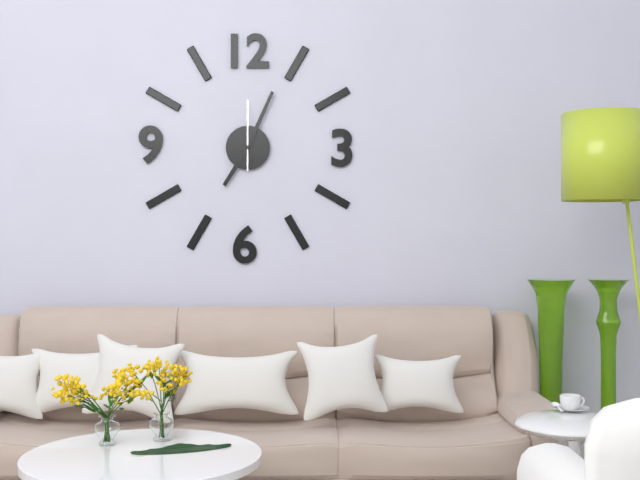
7.04.00
